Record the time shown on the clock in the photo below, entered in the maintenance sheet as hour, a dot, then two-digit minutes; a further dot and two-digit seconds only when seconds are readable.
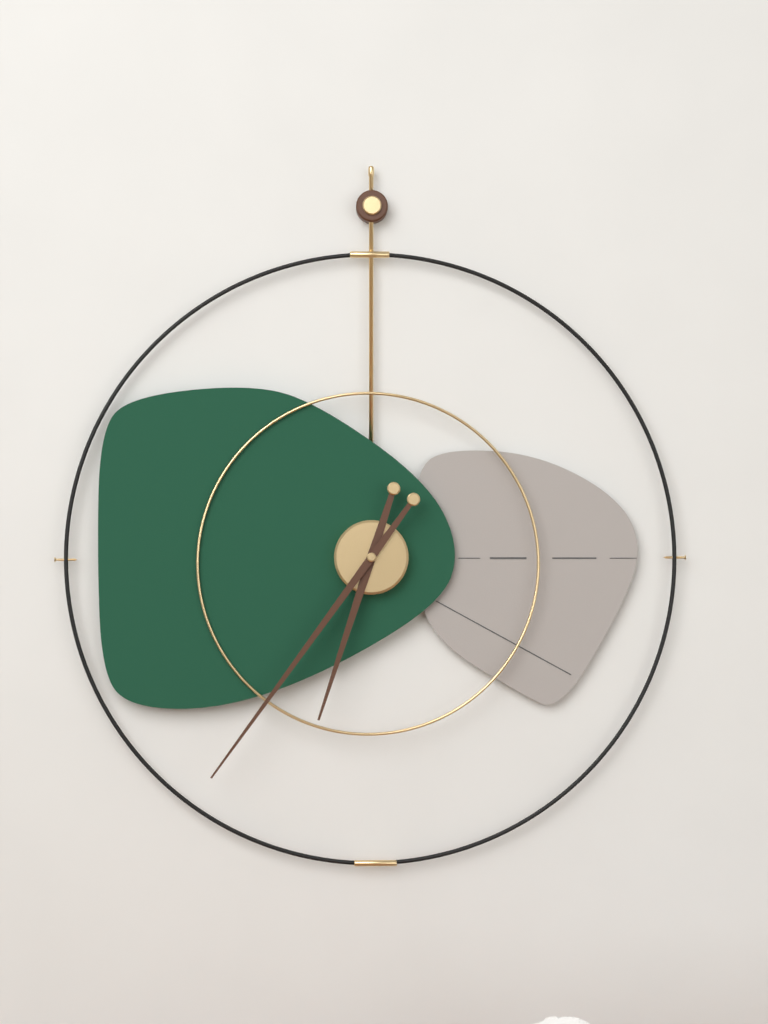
6.36
